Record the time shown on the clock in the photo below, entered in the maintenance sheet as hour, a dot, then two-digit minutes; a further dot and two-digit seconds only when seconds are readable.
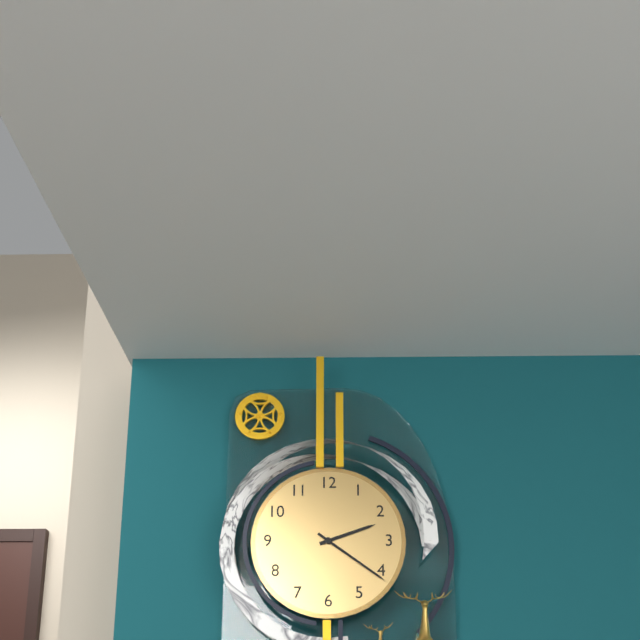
2.21
